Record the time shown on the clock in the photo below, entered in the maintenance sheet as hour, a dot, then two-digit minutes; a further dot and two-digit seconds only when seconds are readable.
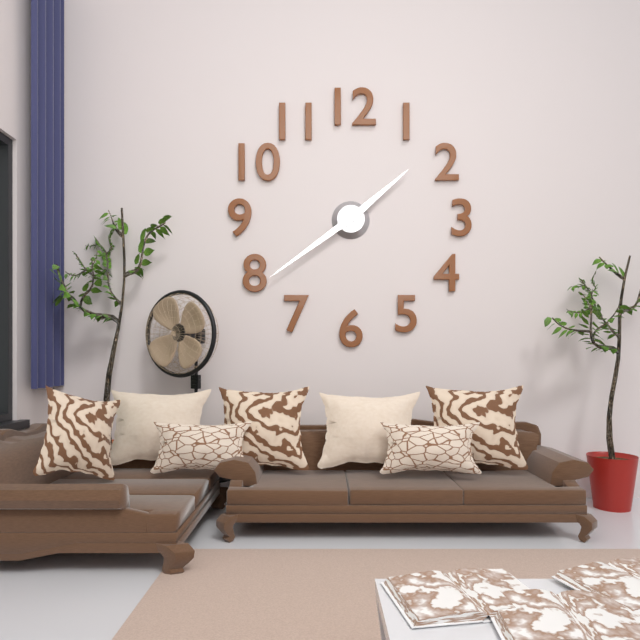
1.39
